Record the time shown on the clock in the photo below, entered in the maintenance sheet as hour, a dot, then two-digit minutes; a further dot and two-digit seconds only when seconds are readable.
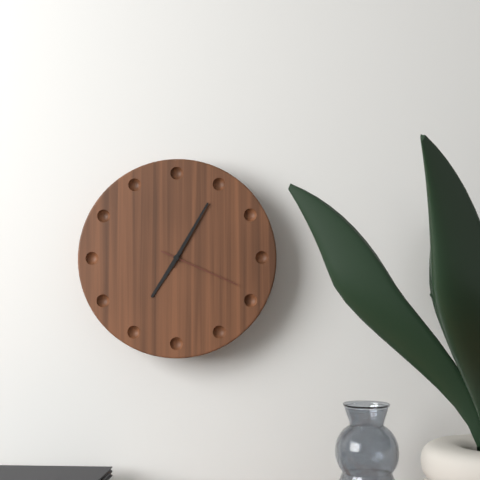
7.05.19
